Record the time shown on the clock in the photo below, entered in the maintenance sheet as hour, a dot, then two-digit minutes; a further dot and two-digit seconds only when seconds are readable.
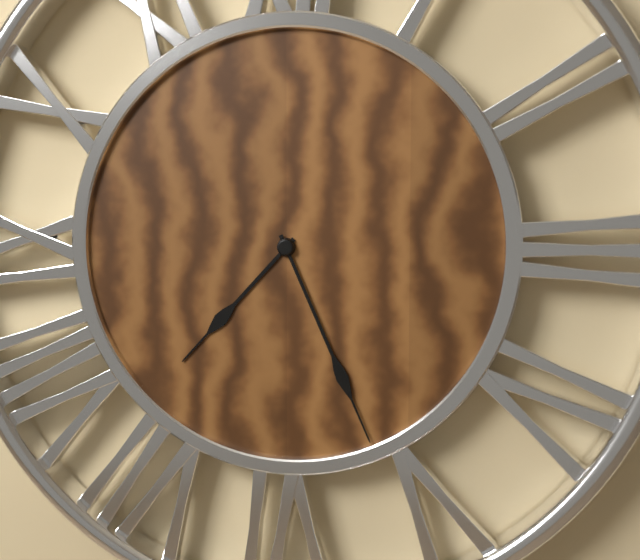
7.26
